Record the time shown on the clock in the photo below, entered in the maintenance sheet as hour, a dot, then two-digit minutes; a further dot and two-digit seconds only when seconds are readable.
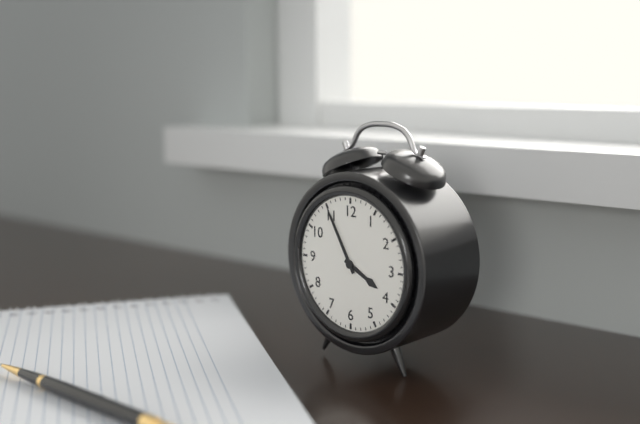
3.55
